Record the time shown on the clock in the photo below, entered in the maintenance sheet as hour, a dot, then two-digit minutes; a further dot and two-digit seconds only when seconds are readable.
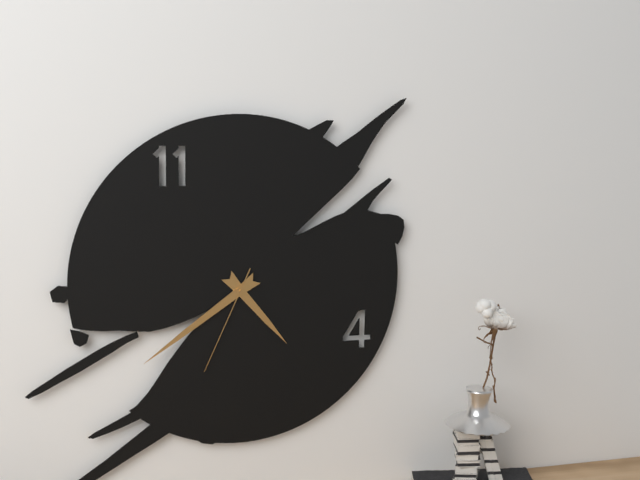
4.39.34
